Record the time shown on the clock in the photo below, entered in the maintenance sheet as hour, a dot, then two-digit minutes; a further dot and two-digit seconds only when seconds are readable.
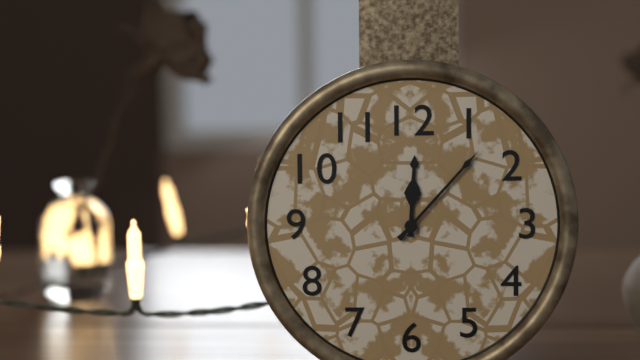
12.07
